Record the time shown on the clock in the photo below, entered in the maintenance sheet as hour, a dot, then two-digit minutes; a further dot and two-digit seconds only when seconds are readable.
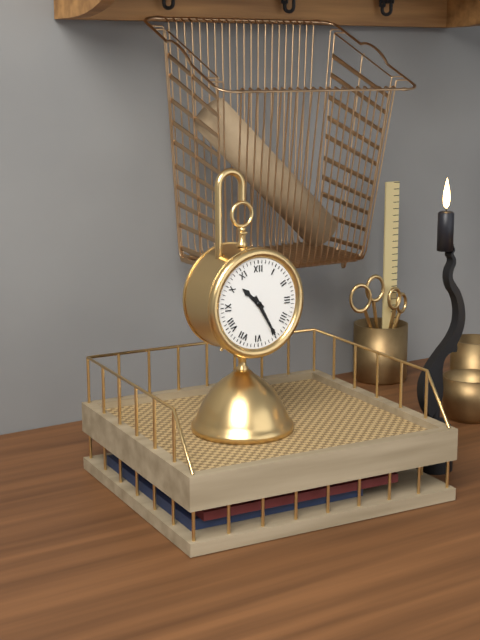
10.25
